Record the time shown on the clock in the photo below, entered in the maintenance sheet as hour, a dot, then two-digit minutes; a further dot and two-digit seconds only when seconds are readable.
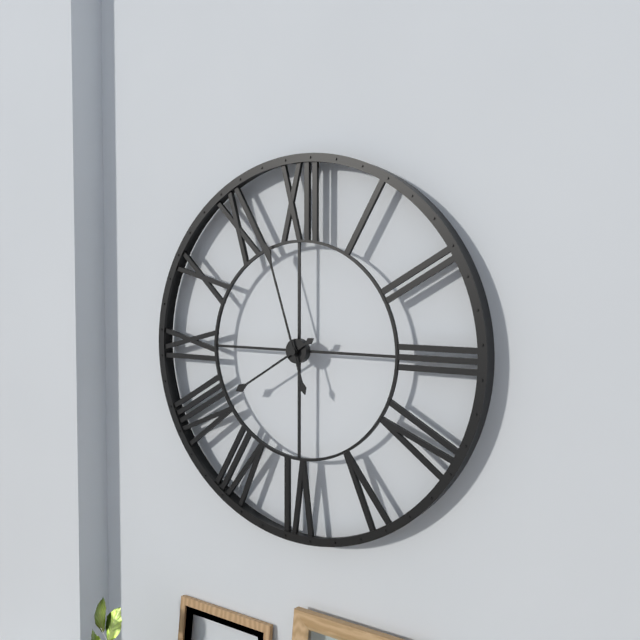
7.57
